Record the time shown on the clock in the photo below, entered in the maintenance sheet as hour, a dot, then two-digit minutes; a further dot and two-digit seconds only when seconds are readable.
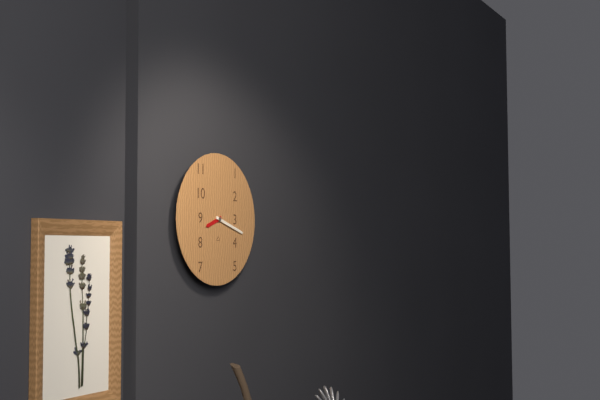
8.18
